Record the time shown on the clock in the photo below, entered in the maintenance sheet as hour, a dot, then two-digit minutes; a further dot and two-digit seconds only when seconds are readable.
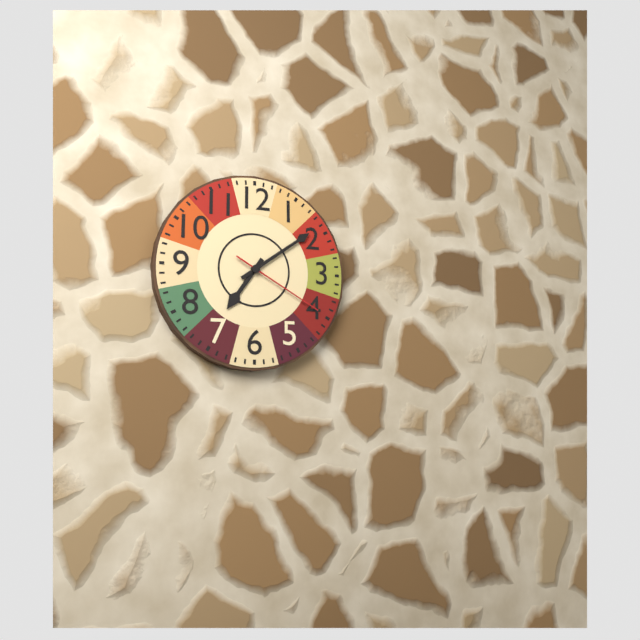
7.09.20
